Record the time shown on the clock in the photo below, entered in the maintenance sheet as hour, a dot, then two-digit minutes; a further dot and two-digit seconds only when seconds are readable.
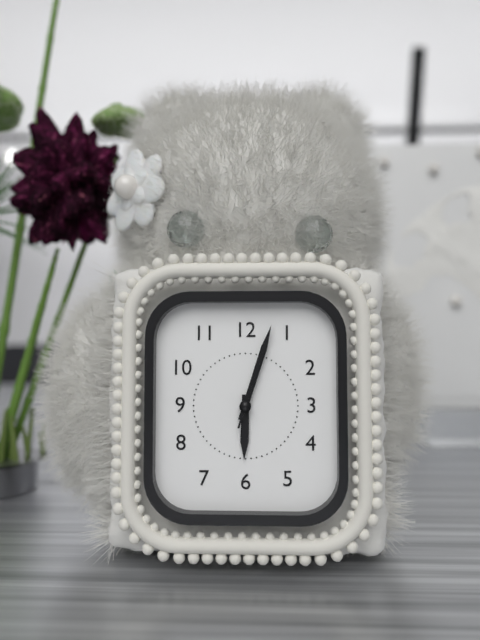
6.03.03
